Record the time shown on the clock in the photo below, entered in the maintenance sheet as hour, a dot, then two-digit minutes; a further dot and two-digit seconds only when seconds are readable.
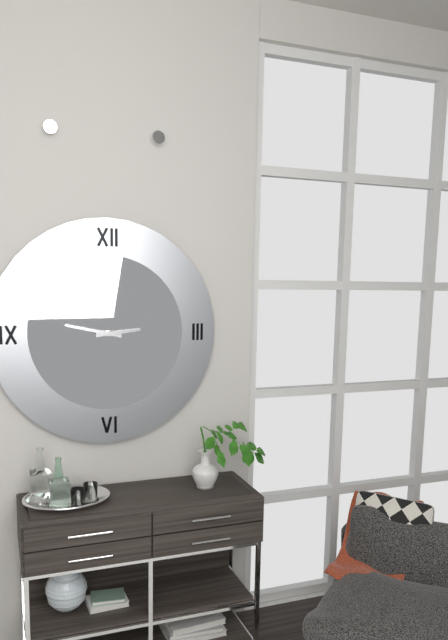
2.47
